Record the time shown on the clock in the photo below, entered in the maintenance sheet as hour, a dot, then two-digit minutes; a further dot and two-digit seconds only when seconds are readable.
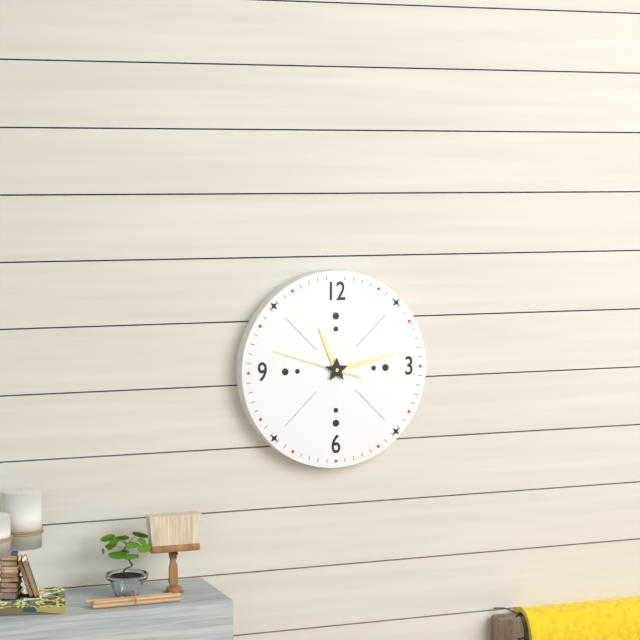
11.13.48
